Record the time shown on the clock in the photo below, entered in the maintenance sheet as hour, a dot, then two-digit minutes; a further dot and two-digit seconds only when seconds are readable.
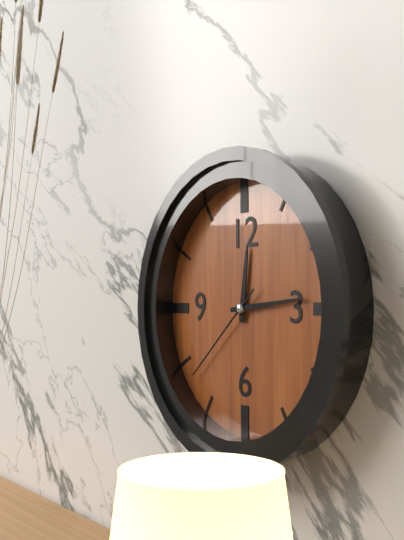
12.14.38
